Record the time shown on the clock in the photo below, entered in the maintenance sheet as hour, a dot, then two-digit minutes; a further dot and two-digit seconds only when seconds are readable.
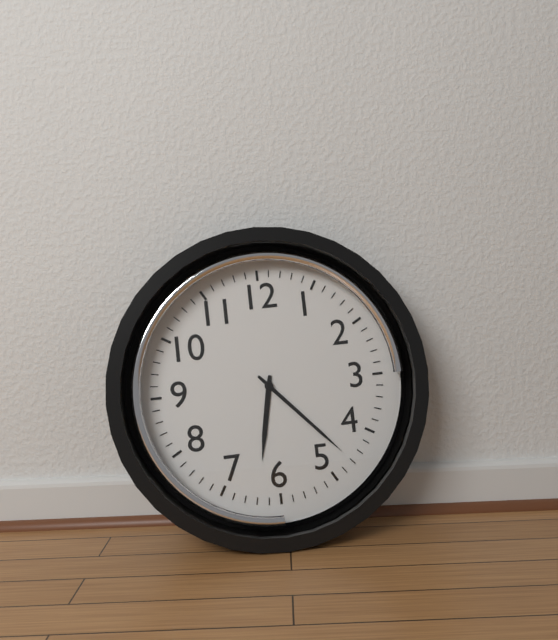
6.23
